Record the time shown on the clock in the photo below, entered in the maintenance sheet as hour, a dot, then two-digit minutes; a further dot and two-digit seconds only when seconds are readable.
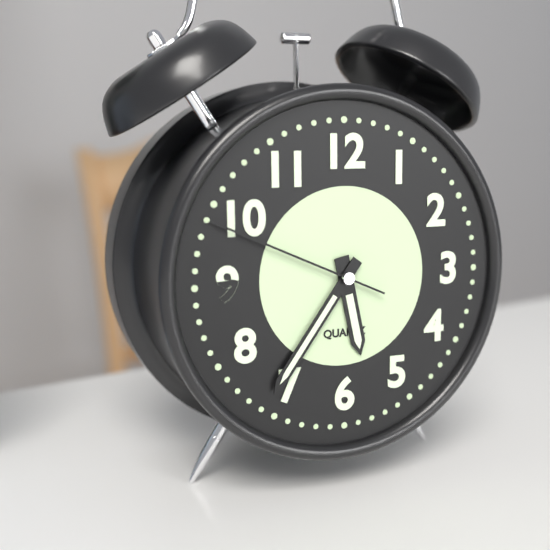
5.36.49
